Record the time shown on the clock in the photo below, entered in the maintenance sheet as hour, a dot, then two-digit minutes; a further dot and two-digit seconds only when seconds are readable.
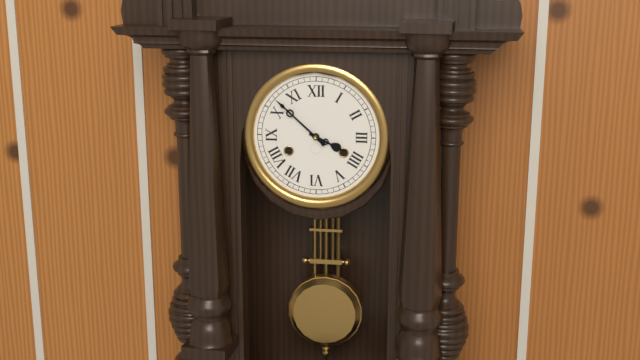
3.52
